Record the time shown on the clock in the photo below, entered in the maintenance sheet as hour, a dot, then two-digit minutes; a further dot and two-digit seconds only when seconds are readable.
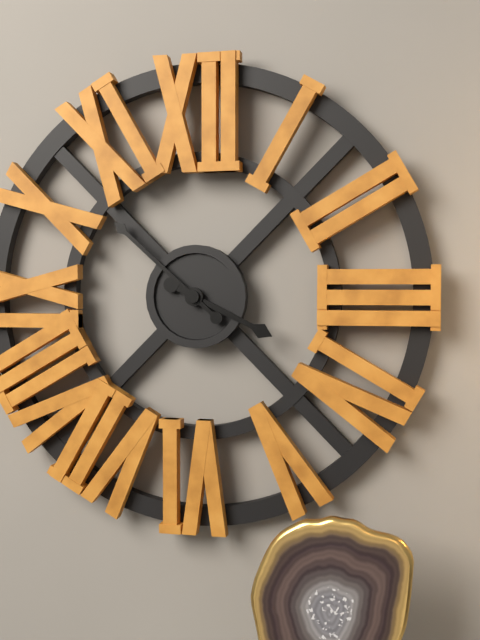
3.52
